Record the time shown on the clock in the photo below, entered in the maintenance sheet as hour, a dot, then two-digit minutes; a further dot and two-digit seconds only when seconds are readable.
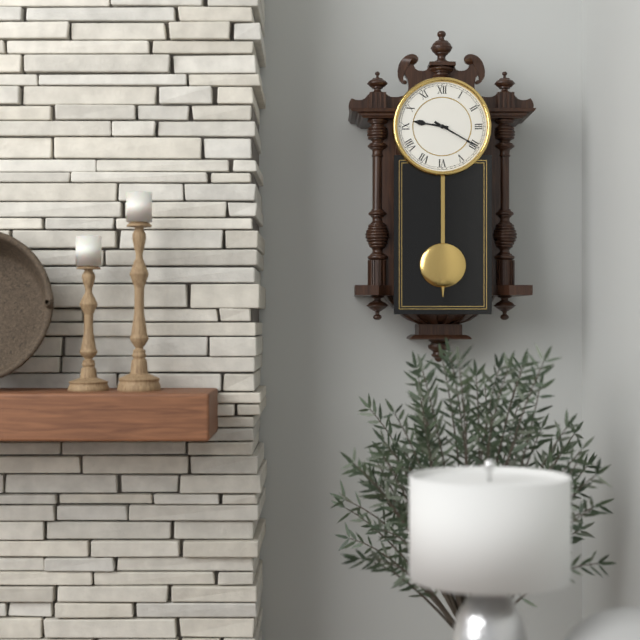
9.20
